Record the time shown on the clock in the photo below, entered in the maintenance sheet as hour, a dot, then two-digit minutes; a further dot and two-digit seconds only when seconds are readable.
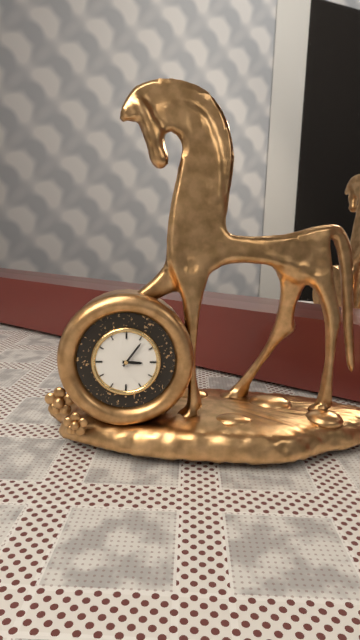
3.06
